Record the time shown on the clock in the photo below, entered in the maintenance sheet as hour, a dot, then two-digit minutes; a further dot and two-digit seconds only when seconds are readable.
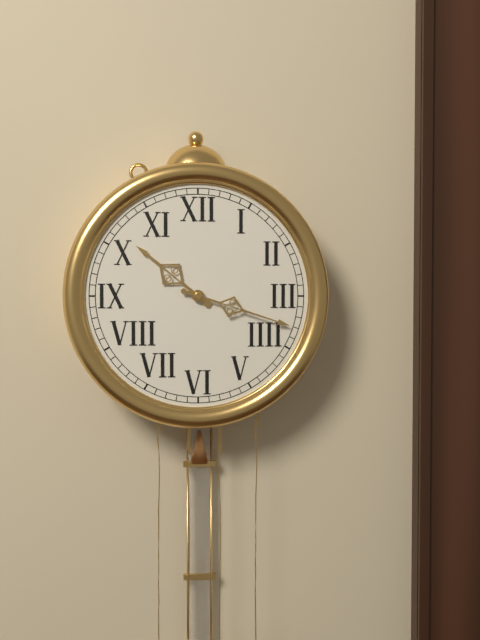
10.18
